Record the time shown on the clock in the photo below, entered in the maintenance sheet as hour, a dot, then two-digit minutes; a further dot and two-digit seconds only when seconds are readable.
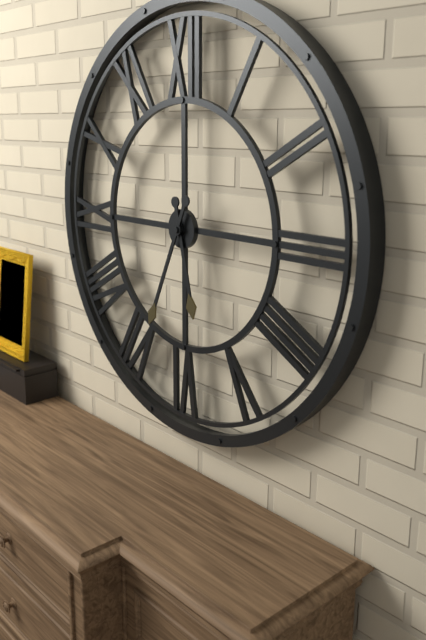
5.34
